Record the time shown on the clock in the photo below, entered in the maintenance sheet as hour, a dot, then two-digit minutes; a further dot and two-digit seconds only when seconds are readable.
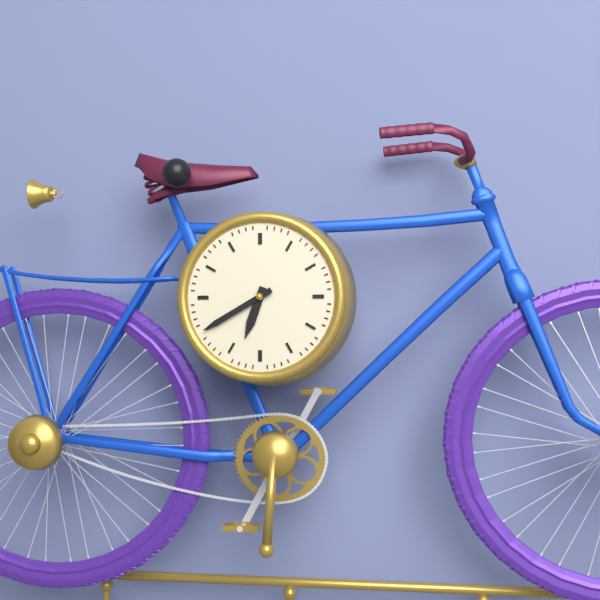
6.40
